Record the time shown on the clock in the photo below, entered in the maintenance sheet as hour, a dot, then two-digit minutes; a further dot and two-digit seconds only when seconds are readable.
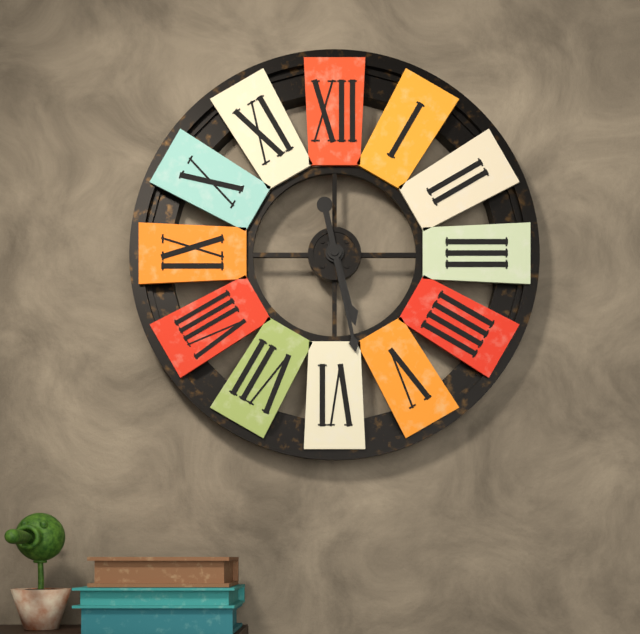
5.28
